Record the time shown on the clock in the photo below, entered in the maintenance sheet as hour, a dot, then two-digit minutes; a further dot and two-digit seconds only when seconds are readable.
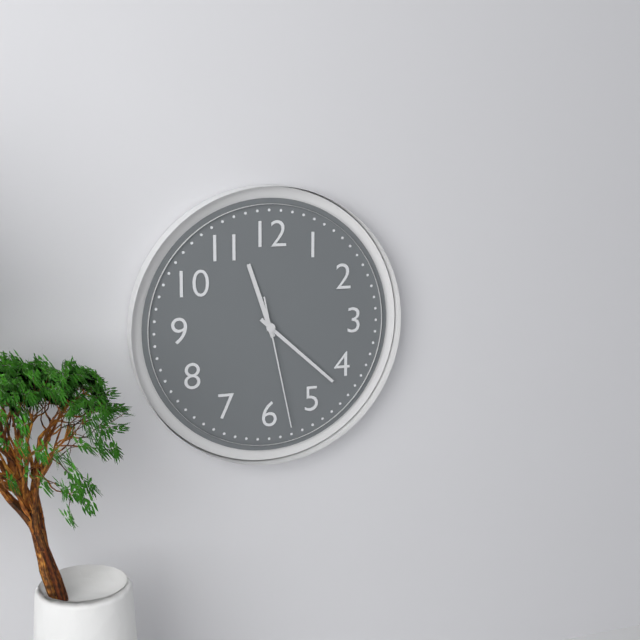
11.22.28
